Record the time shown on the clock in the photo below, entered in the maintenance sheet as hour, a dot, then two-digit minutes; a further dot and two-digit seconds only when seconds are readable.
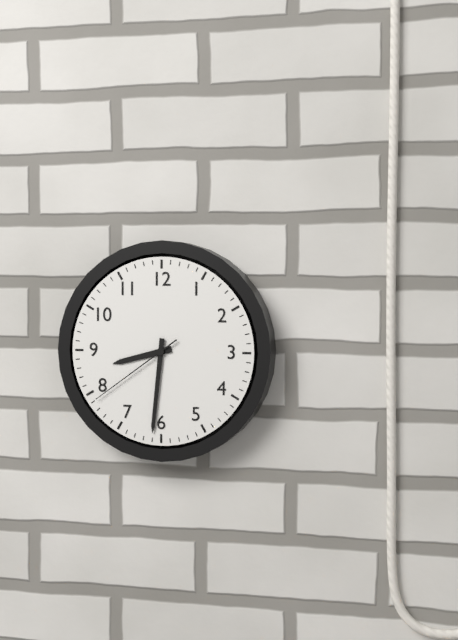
8.31.39
